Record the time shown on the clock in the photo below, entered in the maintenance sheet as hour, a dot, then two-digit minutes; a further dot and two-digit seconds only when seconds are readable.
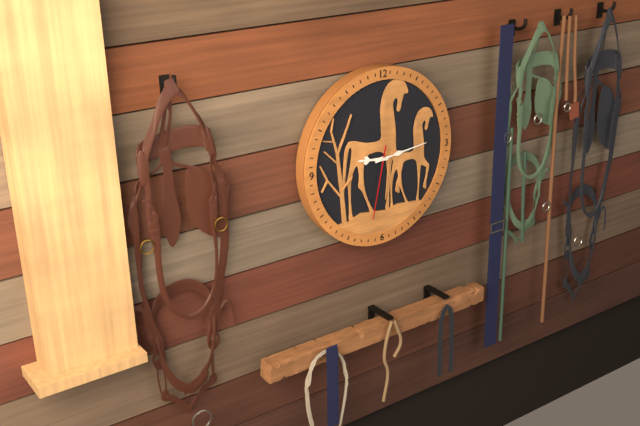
9.14.32
